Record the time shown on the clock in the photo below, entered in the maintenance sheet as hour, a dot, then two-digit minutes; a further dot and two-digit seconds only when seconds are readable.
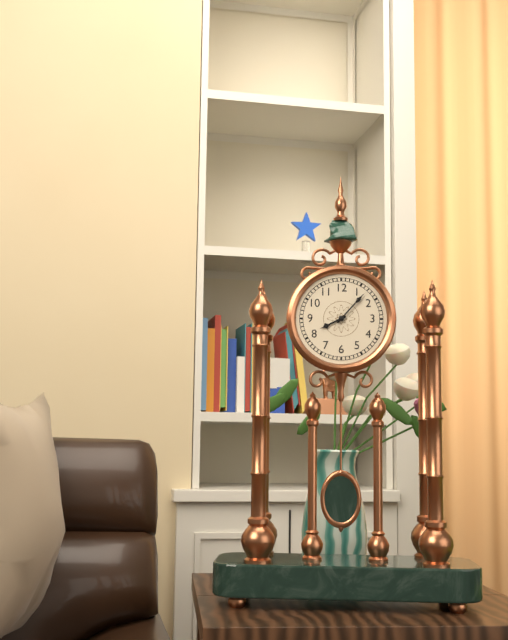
8.07
